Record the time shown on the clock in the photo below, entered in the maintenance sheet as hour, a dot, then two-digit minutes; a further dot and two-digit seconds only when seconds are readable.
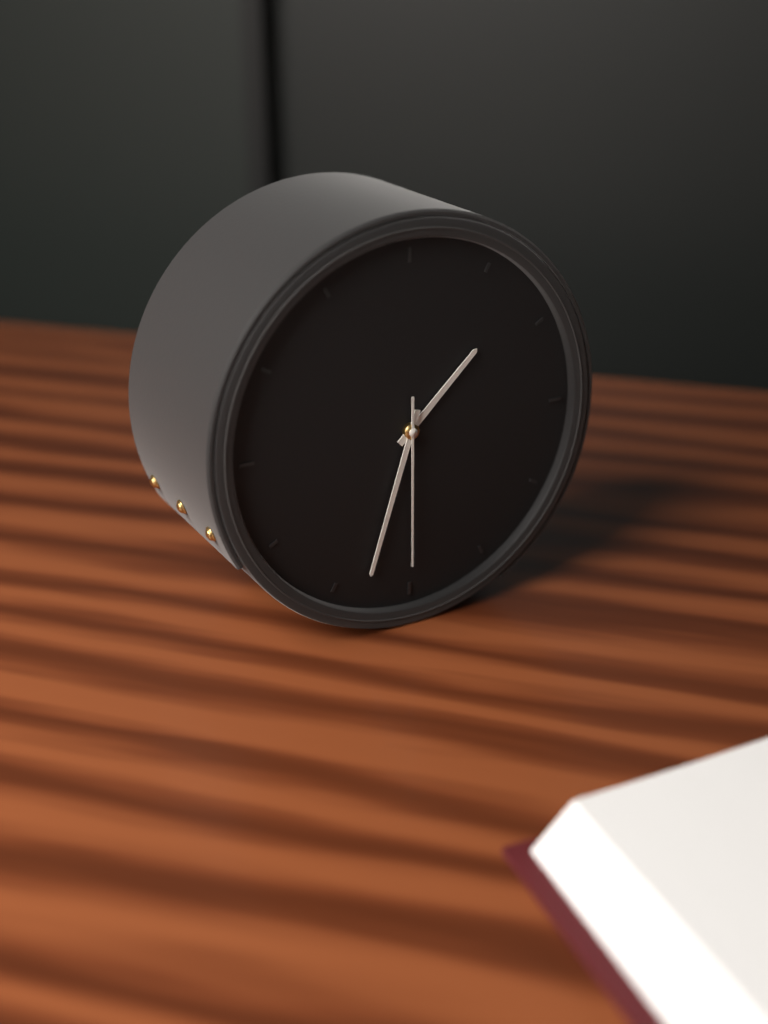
1.33.30
